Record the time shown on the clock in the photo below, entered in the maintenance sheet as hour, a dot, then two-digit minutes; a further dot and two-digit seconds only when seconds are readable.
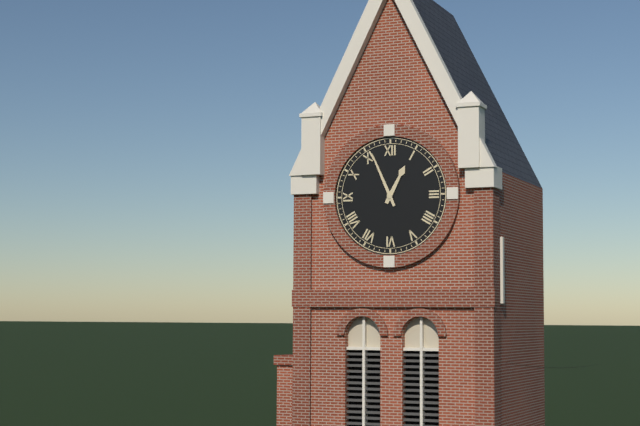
12.56
